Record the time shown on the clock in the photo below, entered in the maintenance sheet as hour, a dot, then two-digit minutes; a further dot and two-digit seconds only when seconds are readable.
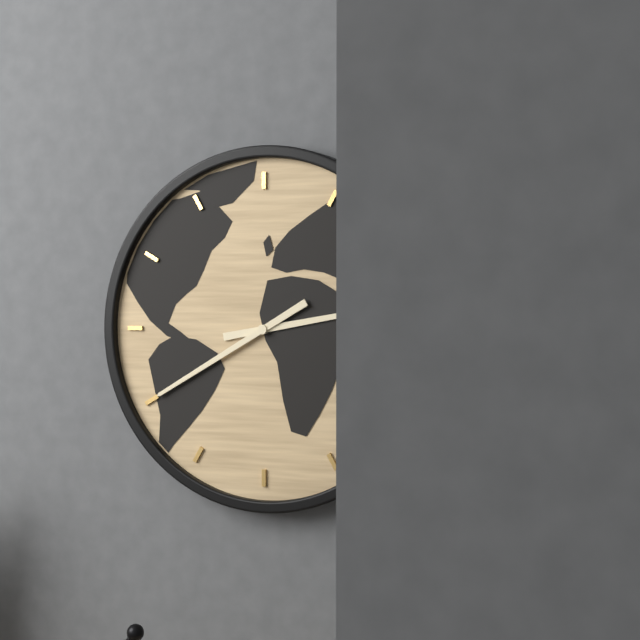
2.40
